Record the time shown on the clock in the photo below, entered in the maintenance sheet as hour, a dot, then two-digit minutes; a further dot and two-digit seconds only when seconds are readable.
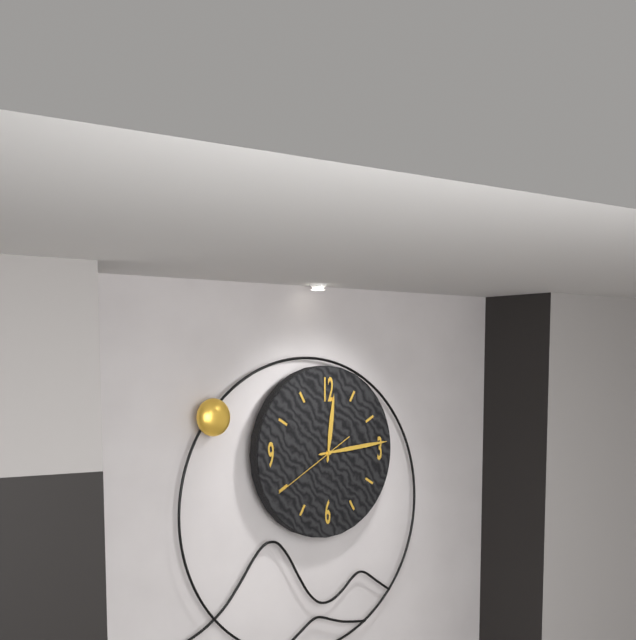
12.14.40
